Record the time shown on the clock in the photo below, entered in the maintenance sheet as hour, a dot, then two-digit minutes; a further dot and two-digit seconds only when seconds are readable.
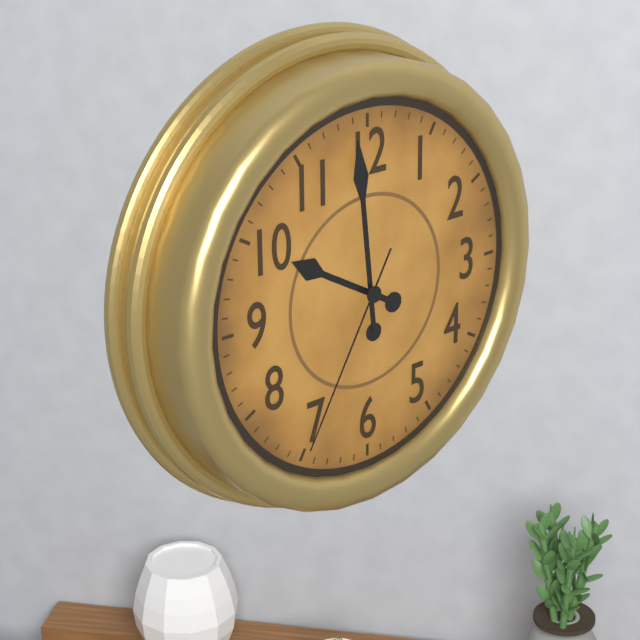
9.59.35
